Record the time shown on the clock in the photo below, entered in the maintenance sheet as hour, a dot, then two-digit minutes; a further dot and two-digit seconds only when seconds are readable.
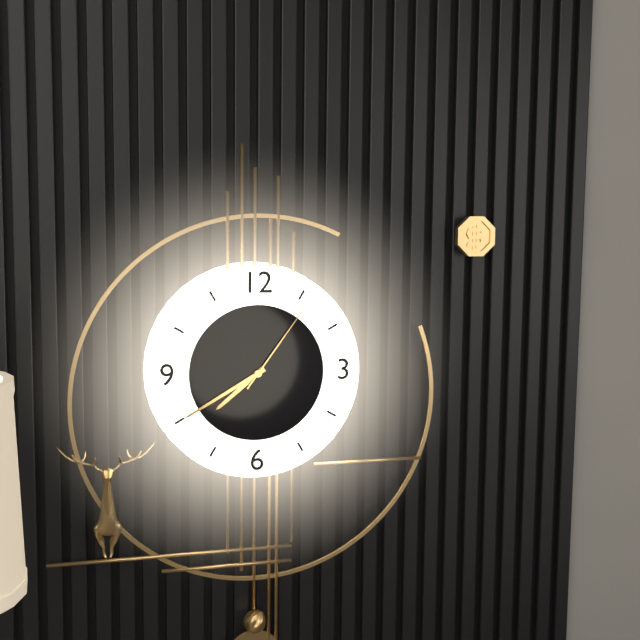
7.40.06
